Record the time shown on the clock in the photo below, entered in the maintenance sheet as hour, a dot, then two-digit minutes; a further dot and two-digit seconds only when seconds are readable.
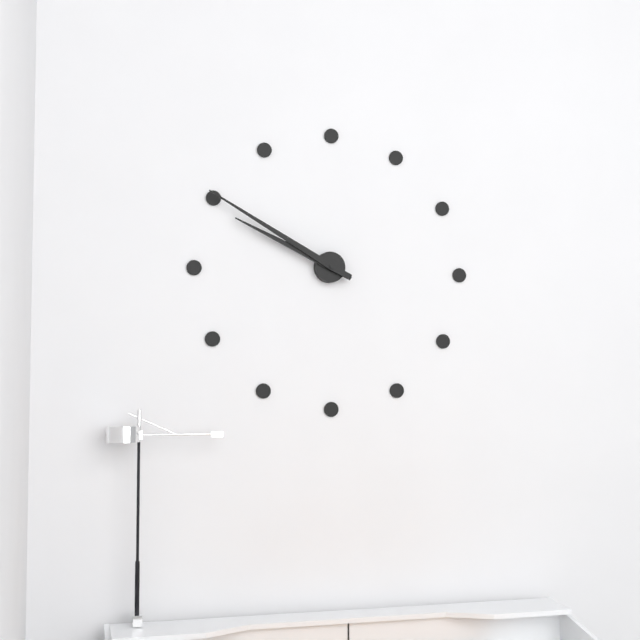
9.50
